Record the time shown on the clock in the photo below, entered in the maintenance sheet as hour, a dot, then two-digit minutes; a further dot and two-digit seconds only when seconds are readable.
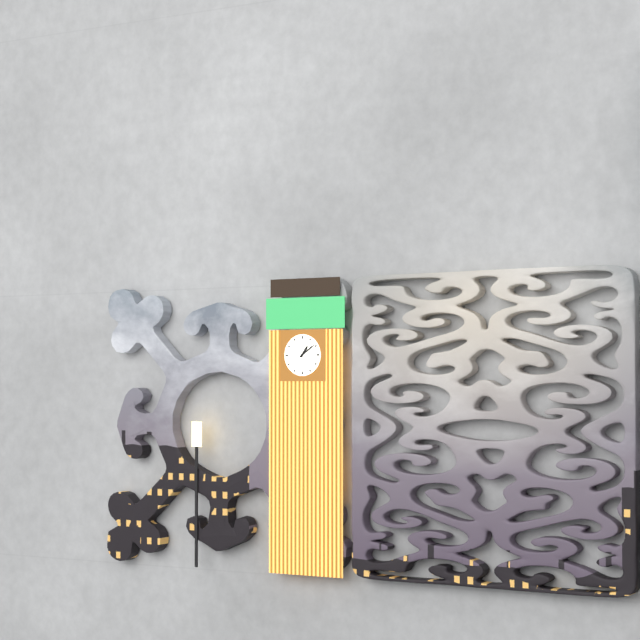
1.09
